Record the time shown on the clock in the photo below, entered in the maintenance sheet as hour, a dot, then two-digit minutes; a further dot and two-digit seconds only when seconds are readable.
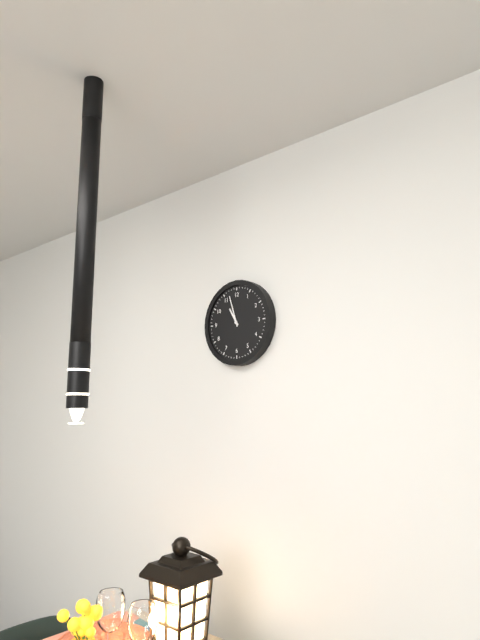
10.57
